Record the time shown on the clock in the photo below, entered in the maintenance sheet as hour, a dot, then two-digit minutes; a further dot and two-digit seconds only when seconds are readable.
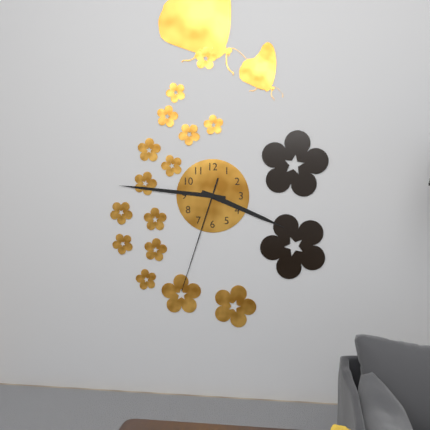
3.46.33
